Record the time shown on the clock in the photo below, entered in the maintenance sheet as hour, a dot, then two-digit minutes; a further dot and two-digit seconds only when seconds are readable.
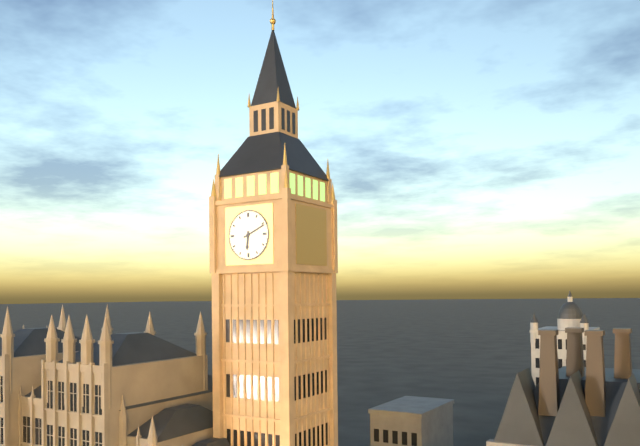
6.11
